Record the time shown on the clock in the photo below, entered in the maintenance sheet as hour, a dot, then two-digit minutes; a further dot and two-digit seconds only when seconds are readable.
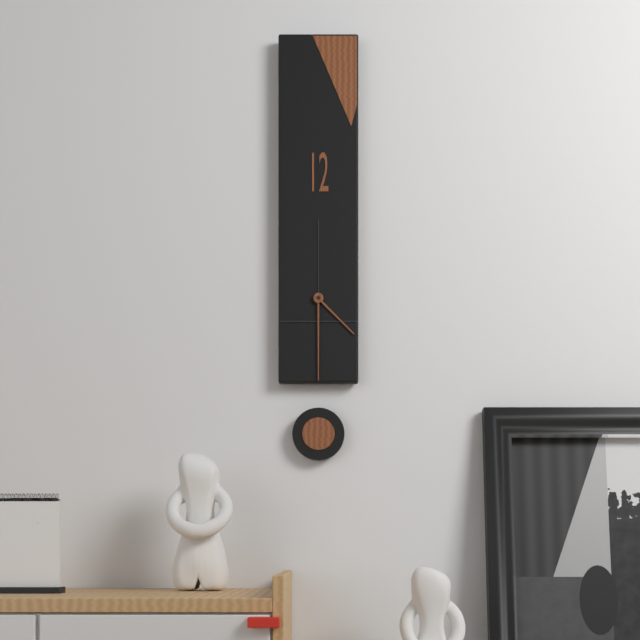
4.30
